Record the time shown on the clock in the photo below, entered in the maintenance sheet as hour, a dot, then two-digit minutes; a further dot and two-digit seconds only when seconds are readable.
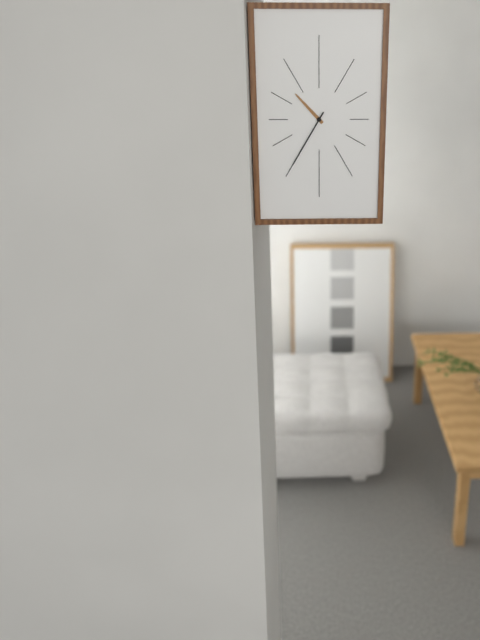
10.35
